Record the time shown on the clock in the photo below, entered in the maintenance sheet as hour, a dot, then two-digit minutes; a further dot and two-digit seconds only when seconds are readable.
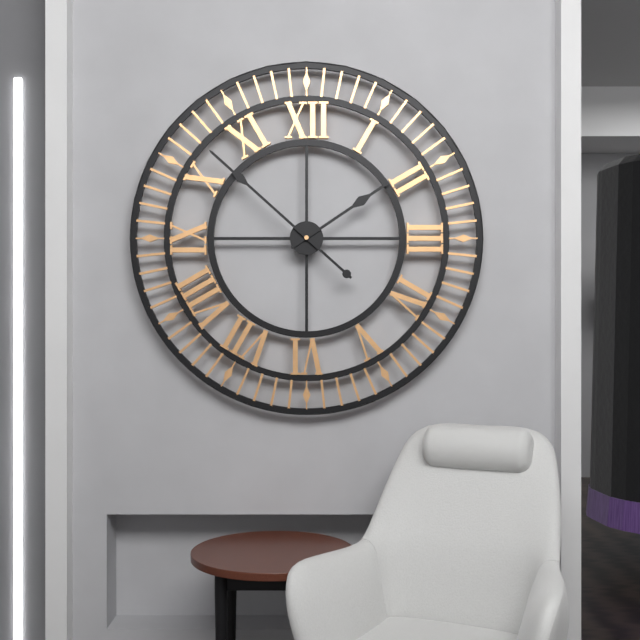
1.52
